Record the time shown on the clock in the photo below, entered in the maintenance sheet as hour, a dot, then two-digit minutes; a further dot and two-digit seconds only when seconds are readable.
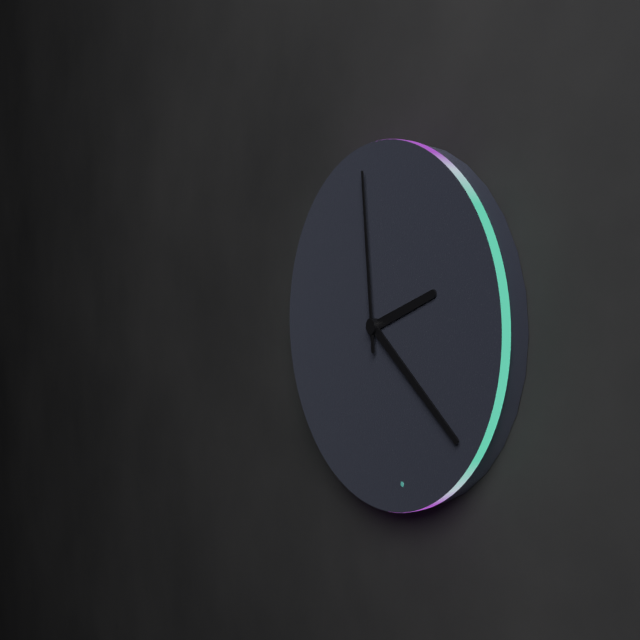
2.21.59
